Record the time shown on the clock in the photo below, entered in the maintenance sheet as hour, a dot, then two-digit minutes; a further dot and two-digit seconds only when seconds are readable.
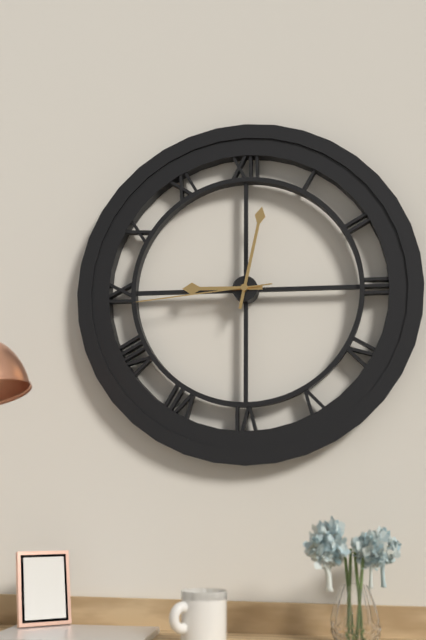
9.02.44
